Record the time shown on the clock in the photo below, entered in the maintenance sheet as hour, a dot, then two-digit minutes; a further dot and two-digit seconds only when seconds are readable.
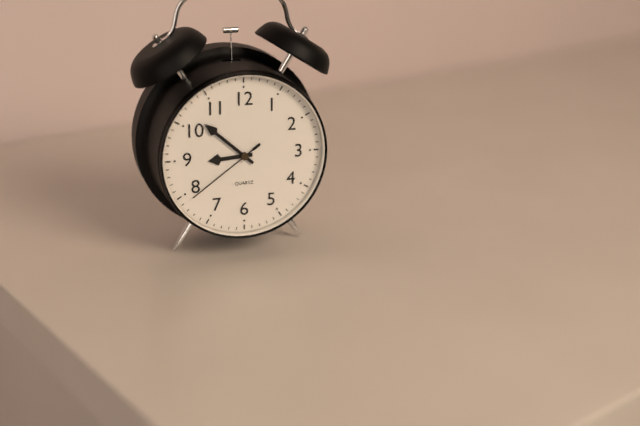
8.52.39
